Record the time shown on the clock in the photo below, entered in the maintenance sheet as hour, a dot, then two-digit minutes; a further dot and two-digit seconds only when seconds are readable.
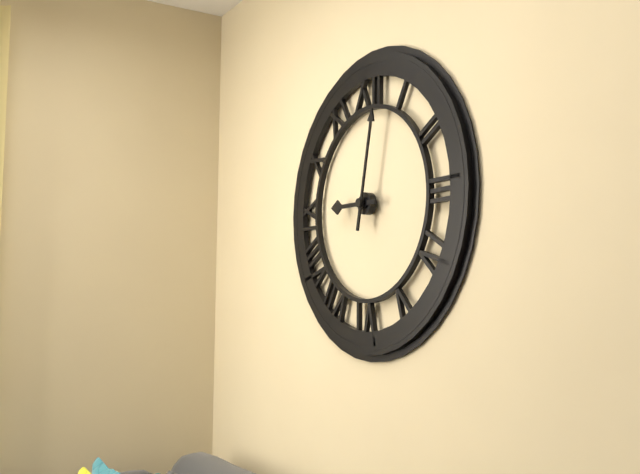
9.02
